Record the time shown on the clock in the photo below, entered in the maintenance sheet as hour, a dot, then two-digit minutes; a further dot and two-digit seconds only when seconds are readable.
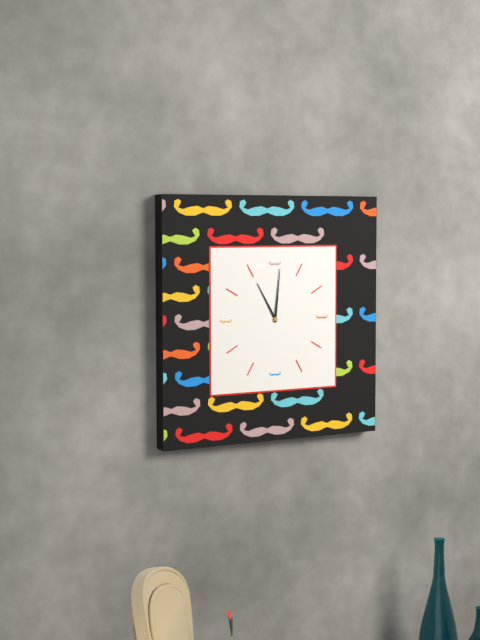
11.01
